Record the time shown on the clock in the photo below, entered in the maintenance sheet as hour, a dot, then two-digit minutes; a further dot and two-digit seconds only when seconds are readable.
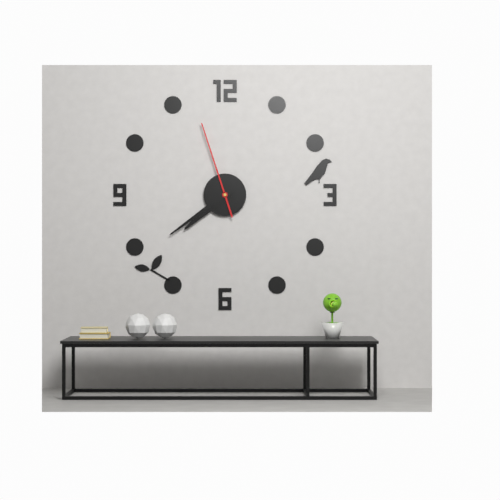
7.39.57
